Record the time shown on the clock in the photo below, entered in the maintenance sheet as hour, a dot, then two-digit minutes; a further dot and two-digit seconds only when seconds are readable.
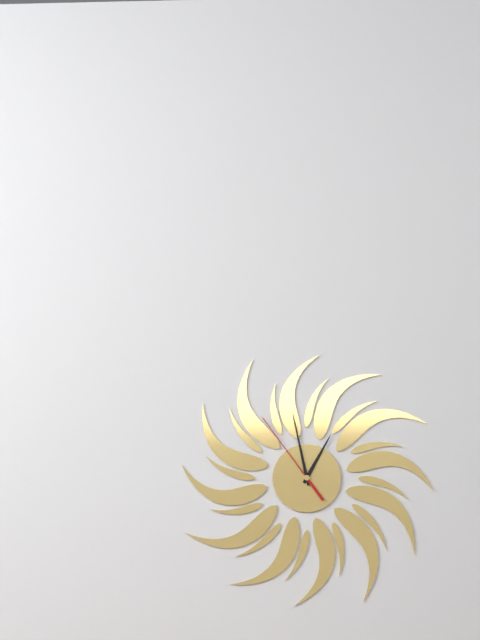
12.58.54
